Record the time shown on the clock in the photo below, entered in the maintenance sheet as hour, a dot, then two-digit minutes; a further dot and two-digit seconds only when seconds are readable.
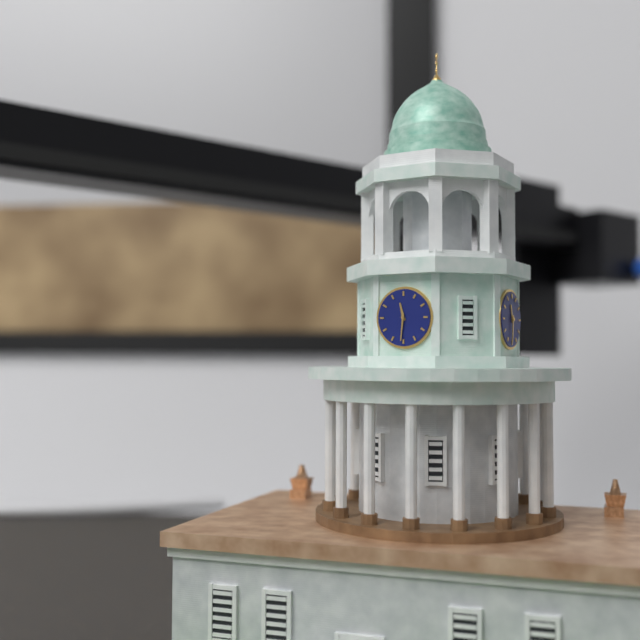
11.31
